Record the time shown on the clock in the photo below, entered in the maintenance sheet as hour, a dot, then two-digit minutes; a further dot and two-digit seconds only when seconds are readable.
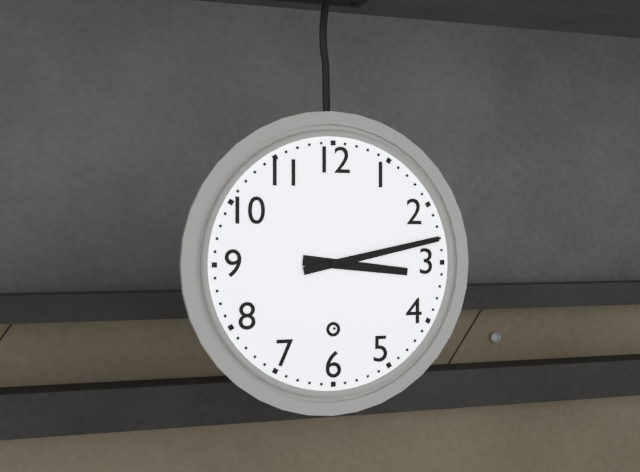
3.13
